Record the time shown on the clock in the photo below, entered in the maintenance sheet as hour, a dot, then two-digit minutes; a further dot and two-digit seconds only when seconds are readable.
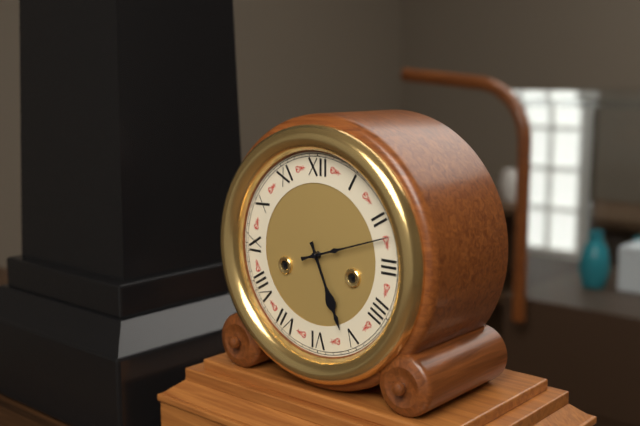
5.12
